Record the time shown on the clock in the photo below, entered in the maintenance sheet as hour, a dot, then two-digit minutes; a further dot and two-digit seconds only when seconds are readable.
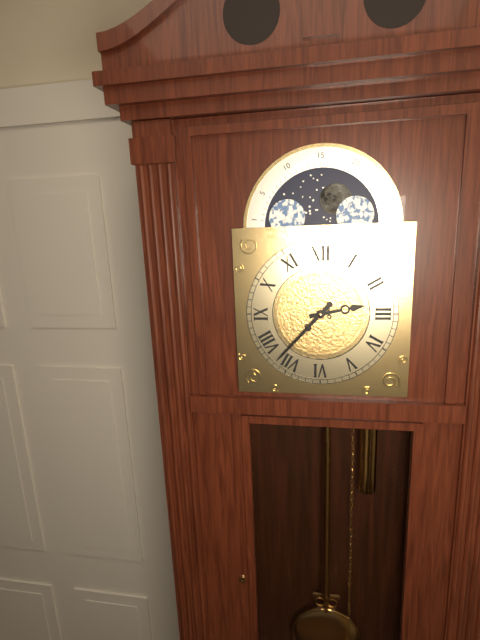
2.37
